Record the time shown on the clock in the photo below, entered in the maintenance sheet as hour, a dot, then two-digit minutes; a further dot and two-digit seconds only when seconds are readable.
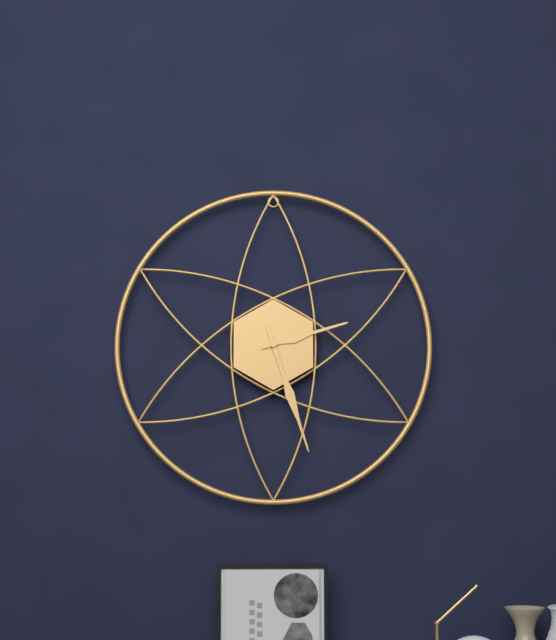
2.27
